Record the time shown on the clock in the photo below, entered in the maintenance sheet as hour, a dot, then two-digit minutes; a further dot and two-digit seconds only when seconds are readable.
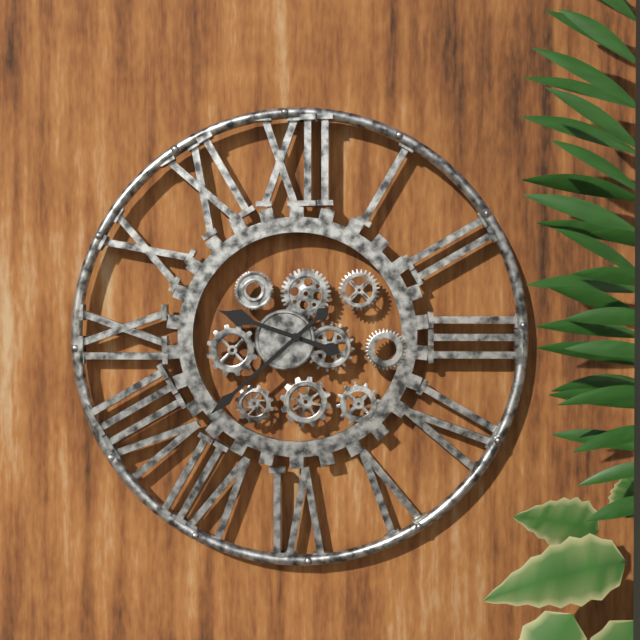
9.38
